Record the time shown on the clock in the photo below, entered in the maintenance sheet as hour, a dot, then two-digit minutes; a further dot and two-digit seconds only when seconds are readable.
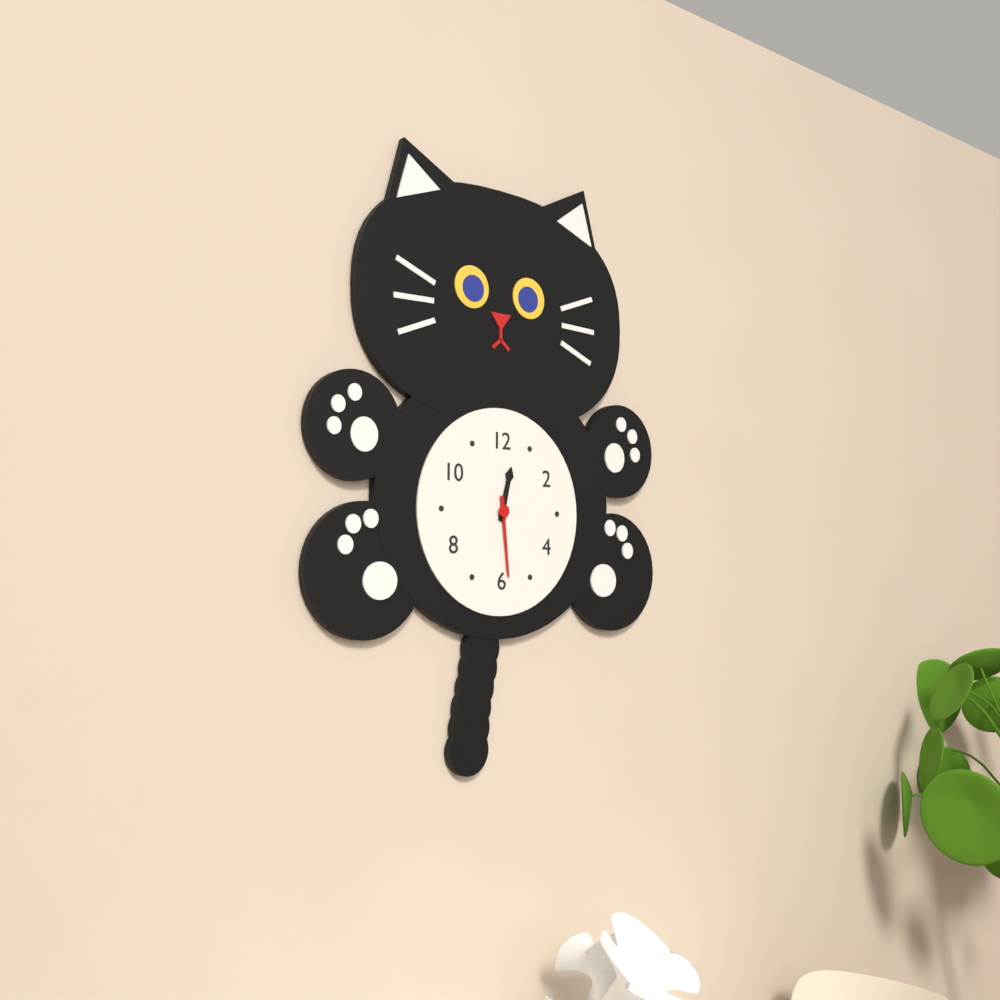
12.29
